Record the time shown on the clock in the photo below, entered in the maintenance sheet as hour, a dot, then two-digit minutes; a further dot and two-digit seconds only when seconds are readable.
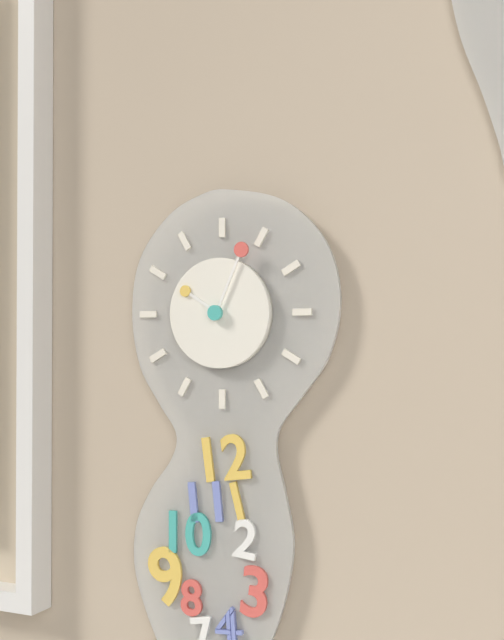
10.04
